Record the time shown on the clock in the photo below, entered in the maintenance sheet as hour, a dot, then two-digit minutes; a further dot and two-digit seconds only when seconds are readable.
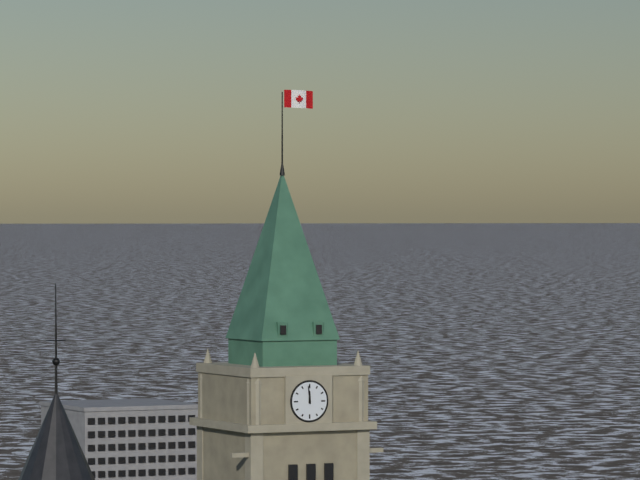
11.59
